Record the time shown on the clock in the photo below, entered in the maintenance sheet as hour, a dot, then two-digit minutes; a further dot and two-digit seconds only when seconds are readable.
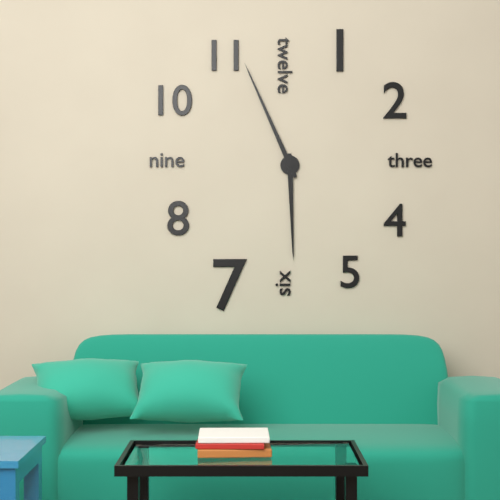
5.56
